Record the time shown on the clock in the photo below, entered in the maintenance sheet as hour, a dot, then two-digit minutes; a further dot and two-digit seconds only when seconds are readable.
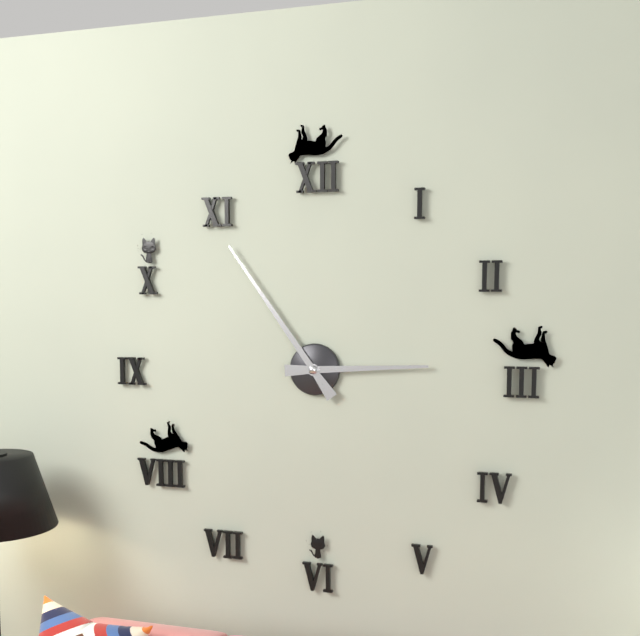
2.54
